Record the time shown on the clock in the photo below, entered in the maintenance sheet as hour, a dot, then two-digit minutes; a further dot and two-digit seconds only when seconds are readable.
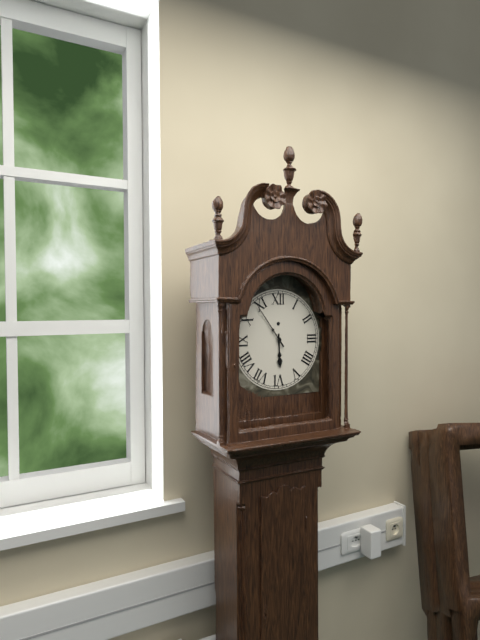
5.54
